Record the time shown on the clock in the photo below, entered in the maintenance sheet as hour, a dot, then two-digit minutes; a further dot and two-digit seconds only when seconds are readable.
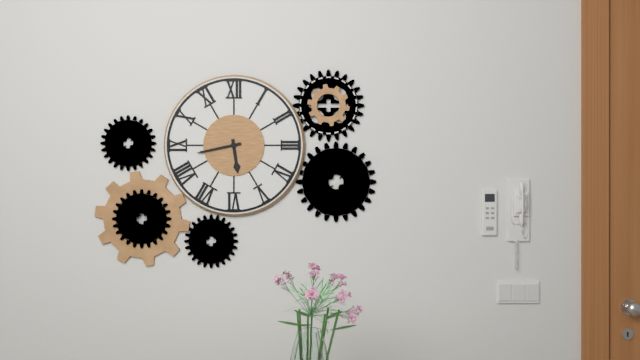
5.43
